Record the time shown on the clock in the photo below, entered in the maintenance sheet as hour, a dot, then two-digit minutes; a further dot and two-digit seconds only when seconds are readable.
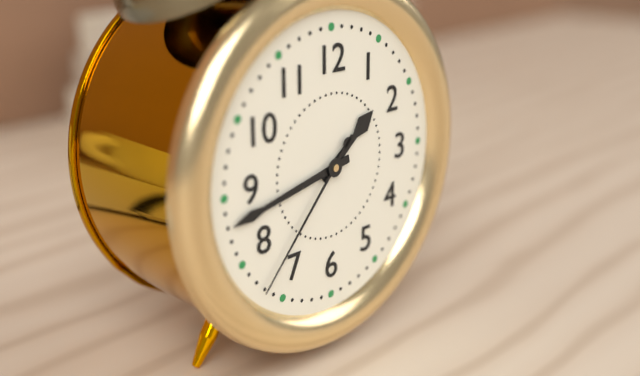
1.43.37
